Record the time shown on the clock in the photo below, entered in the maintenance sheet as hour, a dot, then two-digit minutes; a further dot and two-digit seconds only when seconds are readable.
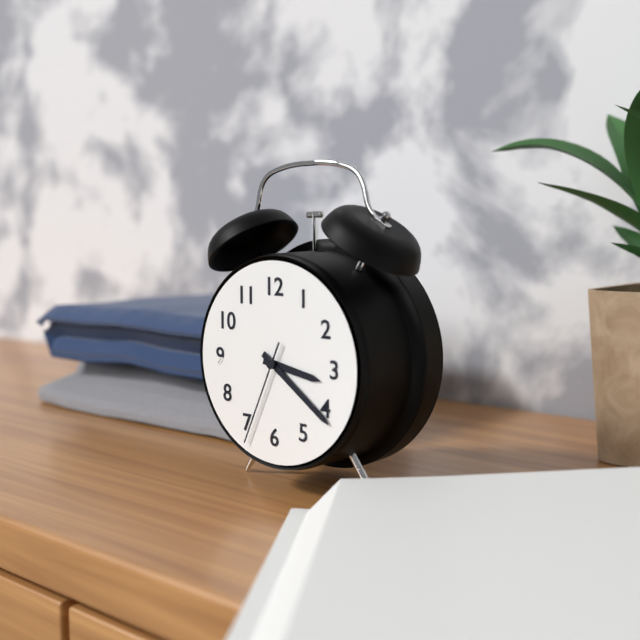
3.21.34
